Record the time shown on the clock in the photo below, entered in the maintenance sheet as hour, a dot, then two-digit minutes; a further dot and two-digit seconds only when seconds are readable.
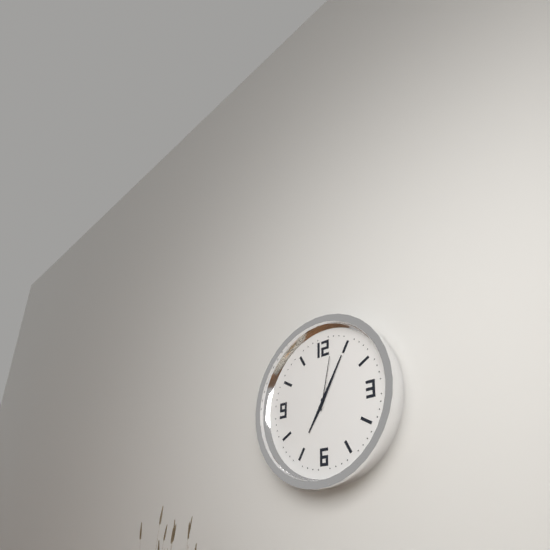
7.05.02
